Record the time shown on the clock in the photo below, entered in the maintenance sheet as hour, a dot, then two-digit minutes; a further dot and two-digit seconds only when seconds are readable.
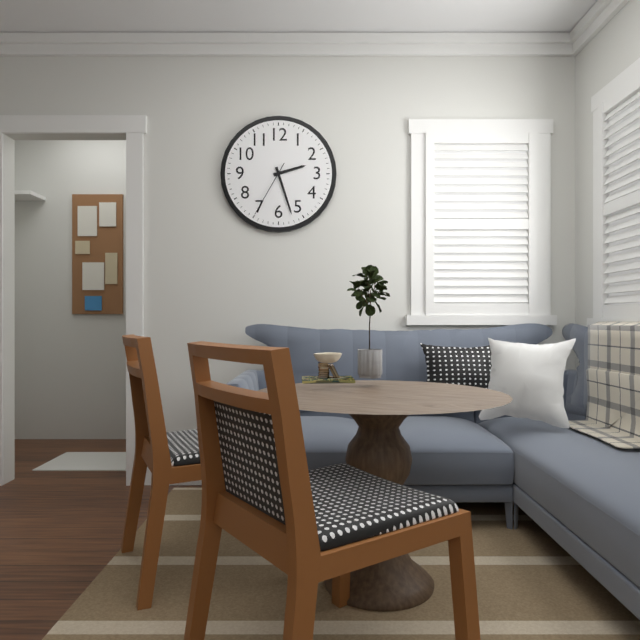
2.27.35
